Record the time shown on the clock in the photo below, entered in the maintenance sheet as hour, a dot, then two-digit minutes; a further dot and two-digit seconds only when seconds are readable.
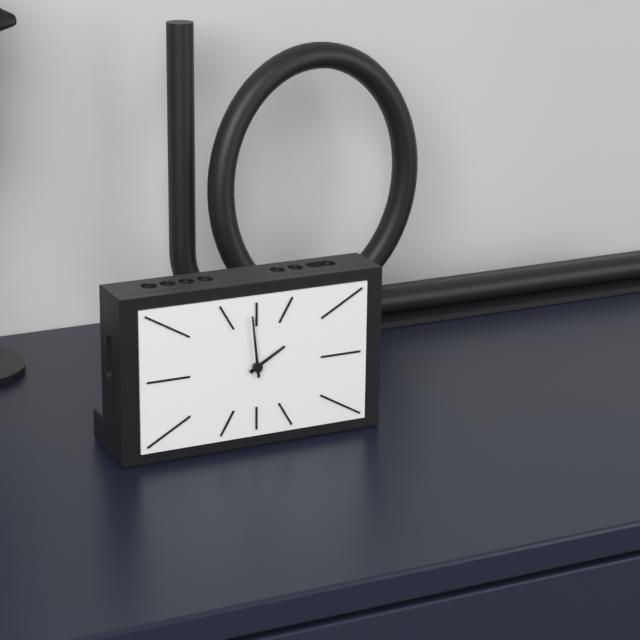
1.59
